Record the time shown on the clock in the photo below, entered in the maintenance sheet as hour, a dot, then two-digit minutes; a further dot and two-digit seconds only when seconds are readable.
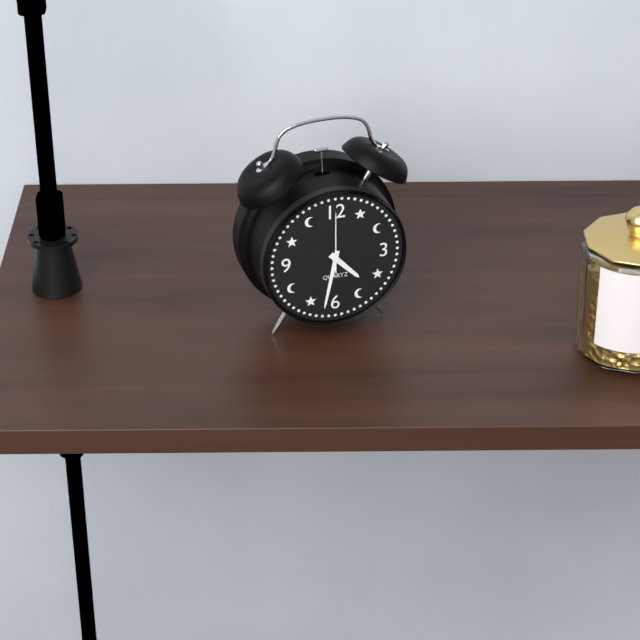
4.32.00
